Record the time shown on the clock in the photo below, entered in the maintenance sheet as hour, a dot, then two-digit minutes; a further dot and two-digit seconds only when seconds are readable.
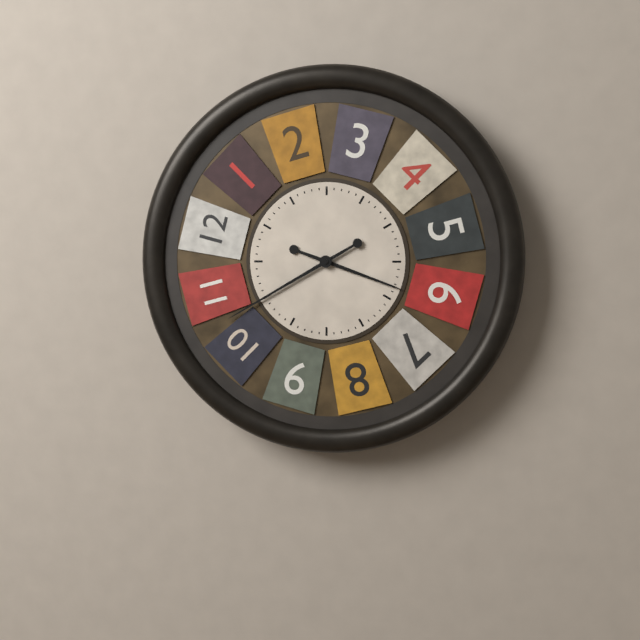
3.40
